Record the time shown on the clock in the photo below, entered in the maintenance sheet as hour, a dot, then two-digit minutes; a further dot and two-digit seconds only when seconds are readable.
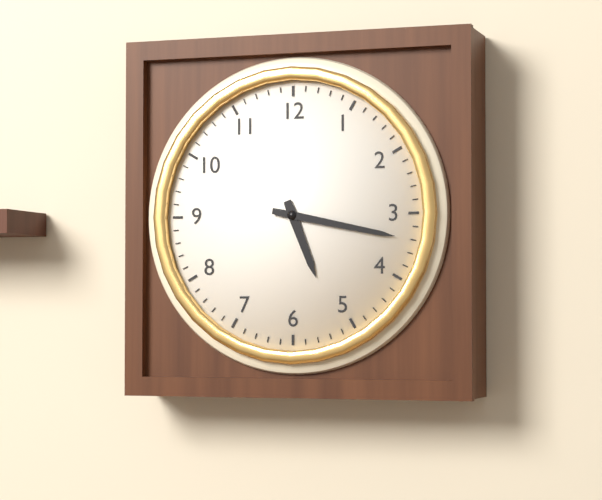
5.17
